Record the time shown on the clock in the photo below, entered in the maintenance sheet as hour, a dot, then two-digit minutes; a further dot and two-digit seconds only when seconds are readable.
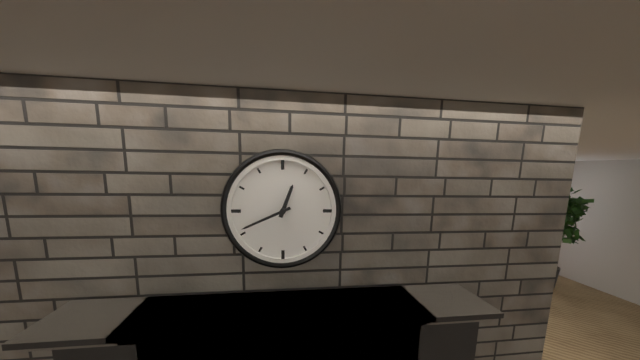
12.41
